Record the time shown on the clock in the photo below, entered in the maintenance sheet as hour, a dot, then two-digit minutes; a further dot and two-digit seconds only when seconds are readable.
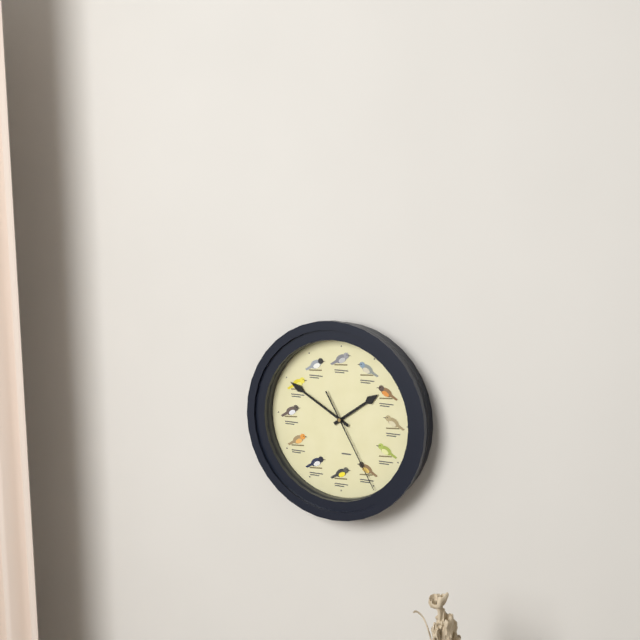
1.50.25
